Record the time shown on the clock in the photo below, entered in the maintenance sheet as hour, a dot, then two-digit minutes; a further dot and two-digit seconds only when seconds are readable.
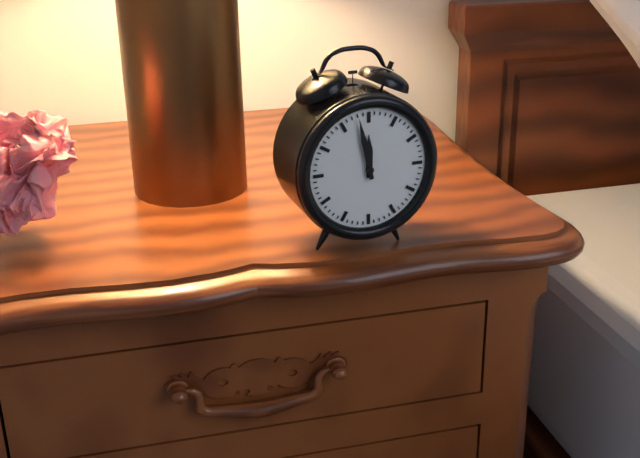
11.58
